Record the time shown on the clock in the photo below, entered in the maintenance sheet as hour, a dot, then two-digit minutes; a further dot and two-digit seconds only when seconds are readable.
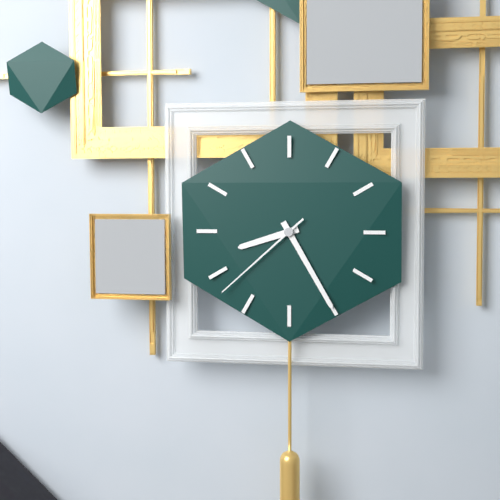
8.25.38
